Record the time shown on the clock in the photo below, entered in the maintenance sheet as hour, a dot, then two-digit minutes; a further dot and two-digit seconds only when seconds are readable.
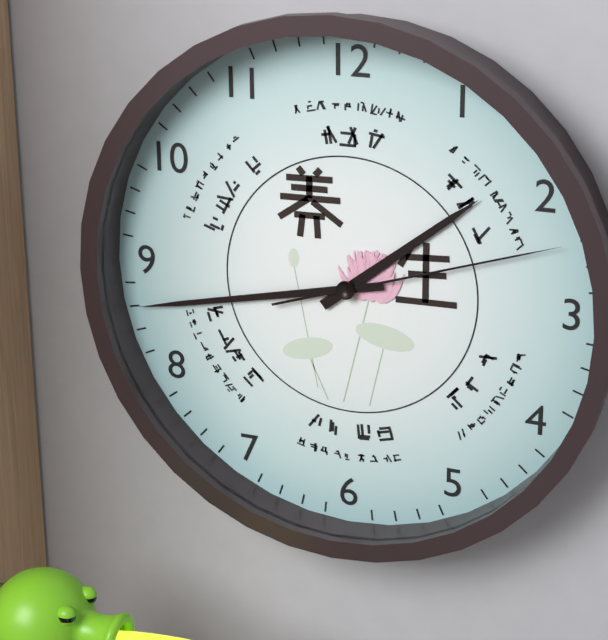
1.43.12
